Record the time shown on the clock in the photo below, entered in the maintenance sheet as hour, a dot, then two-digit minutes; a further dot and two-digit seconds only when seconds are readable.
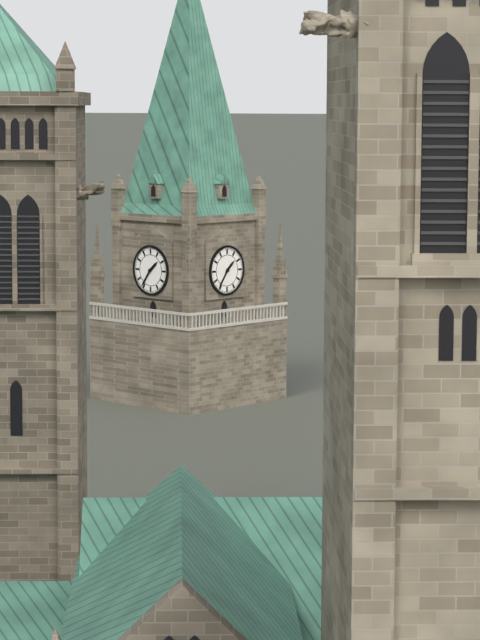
1.36
